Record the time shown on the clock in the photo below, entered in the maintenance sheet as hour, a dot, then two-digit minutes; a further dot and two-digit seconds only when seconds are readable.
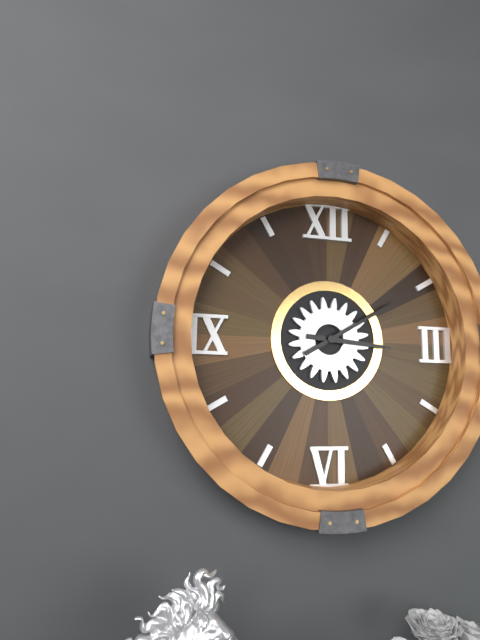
3.10
